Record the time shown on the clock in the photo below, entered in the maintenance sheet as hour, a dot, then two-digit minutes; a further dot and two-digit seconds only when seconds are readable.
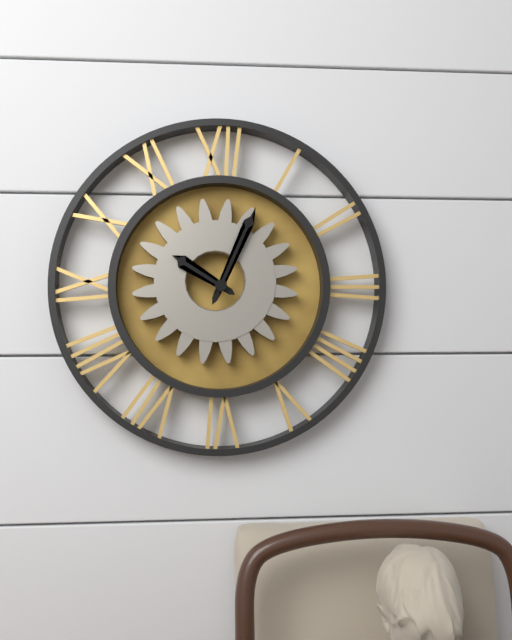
10.04
